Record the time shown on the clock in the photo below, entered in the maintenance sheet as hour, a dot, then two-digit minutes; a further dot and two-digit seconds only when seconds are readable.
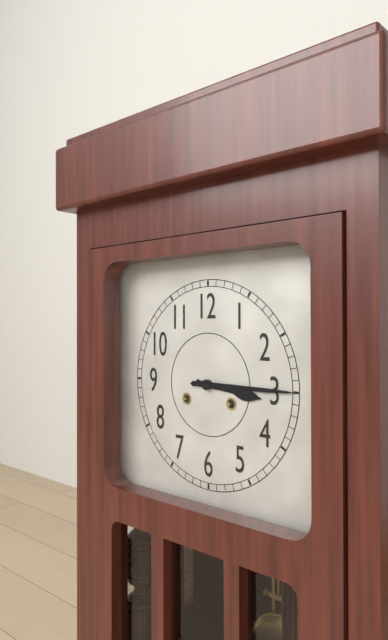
3.15
